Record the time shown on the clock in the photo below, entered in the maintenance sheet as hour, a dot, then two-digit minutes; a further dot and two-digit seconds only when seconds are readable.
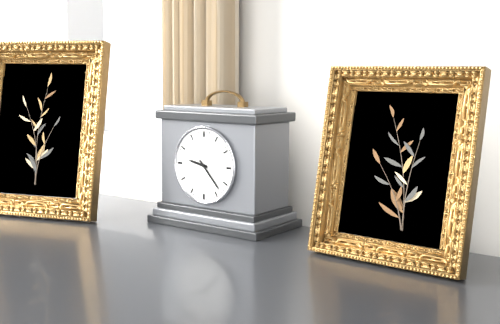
9.23
